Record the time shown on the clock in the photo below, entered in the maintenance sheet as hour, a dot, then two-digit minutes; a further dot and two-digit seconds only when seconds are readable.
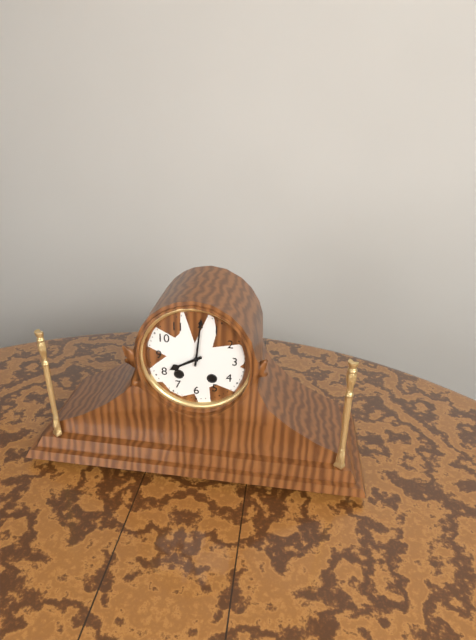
8.01
